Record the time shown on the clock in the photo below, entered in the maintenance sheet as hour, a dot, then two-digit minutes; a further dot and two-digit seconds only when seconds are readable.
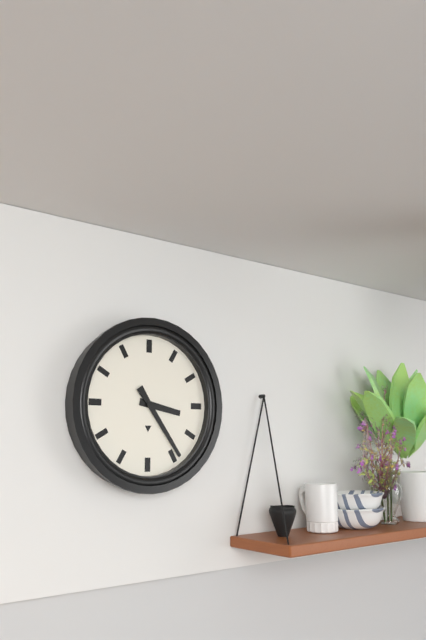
3.24
